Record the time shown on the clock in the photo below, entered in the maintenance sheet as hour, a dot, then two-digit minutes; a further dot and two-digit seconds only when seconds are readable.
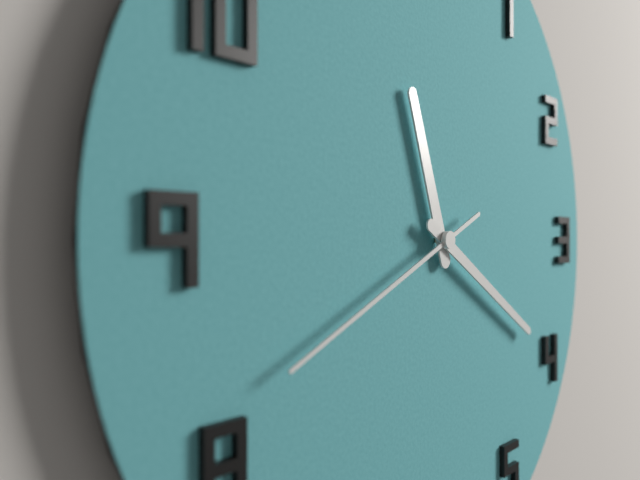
11.20.41
